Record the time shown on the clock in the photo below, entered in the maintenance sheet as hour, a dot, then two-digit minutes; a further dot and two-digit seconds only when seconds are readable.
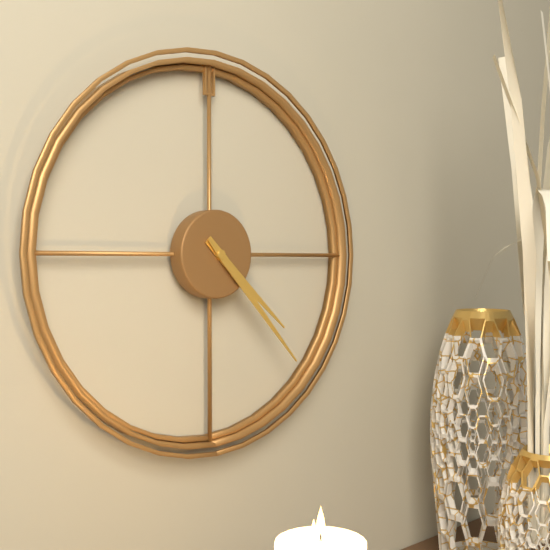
4.23
